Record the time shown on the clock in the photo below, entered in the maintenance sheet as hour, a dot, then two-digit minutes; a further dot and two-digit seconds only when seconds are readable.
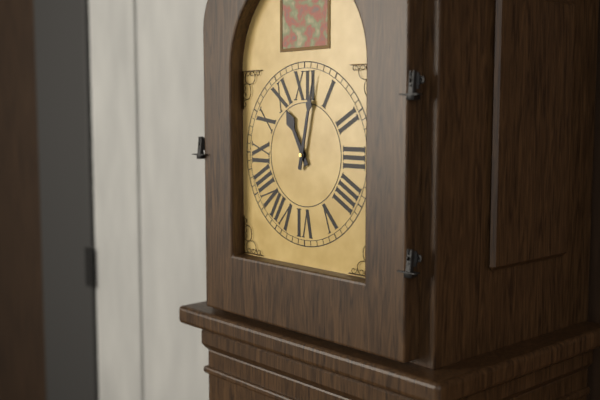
11.02
